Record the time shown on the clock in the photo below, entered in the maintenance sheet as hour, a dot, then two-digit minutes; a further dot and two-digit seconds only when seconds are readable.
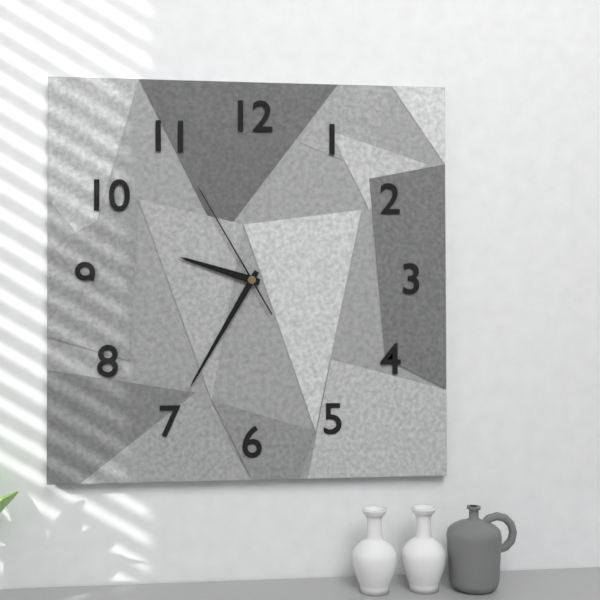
9.35.55
